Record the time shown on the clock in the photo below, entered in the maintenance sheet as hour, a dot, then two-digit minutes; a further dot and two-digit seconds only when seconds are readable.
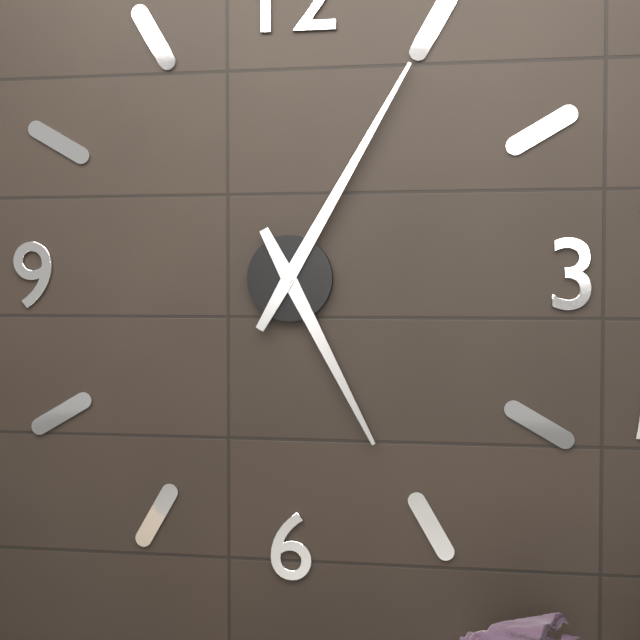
5.05
